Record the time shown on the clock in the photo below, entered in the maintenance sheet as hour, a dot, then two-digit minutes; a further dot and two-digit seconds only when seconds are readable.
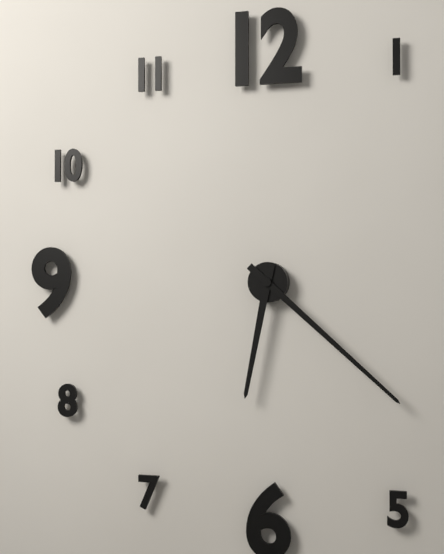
6.22
